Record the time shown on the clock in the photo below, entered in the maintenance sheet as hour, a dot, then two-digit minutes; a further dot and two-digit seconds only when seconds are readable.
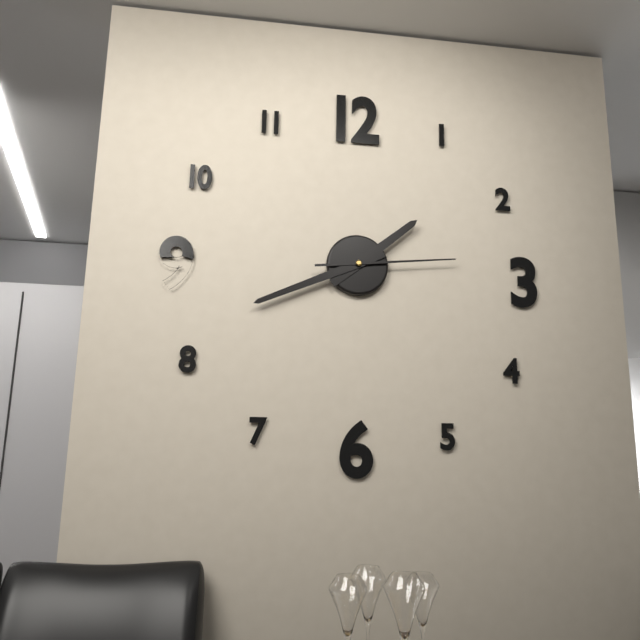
1.41.14
